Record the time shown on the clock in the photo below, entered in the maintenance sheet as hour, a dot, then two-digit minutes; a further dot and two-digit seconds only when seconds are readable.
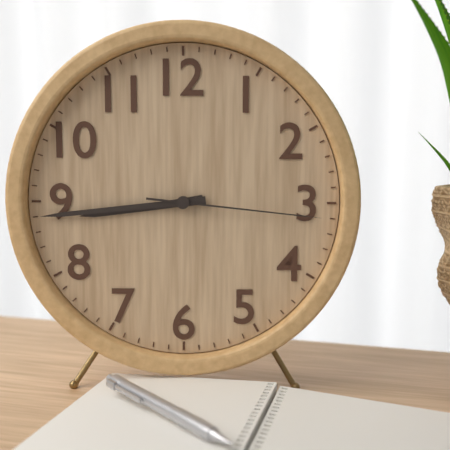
8.44.16
